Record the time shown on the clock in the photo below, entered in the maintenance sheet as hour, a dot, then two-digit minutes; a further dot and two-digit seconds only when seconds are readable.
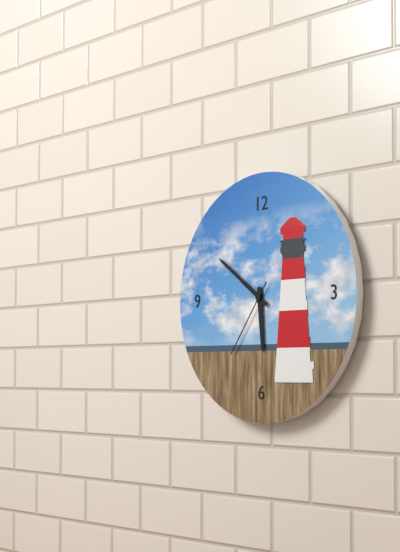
5.51.36
